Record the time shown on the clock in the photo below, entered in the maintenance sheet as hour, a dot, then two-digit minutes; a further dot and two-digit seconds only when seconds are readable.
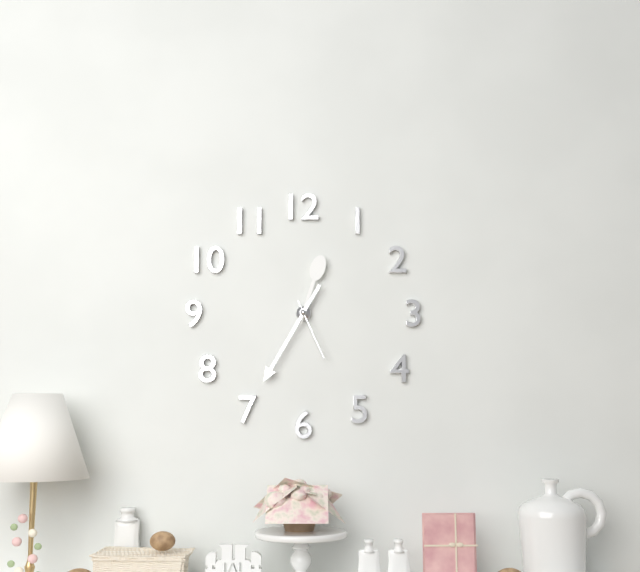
12.35.26
